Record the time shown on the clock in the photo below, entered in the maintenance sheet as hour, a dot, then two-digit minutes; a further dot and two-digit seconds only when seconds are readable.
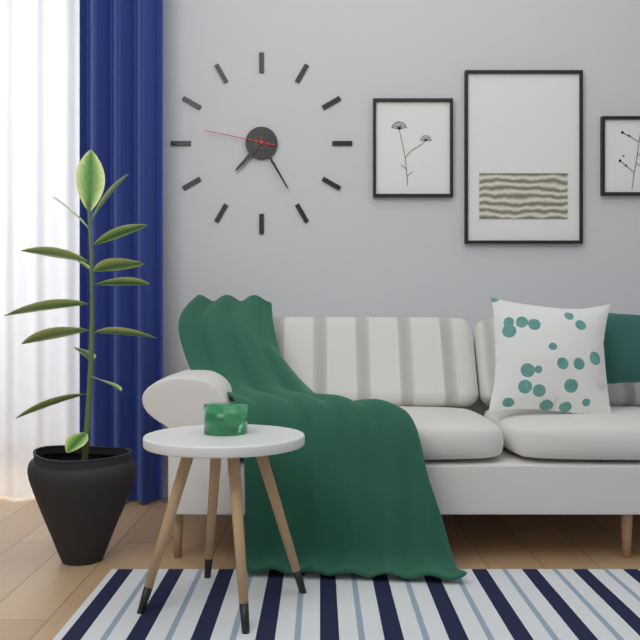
7.25.47
